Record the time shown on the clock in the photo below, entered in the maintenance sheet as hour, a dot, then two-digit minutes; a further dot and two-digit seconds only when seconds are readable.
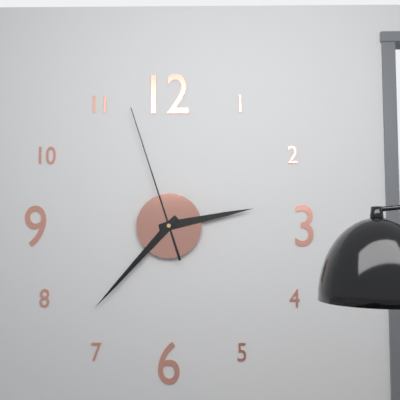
2.37.57
